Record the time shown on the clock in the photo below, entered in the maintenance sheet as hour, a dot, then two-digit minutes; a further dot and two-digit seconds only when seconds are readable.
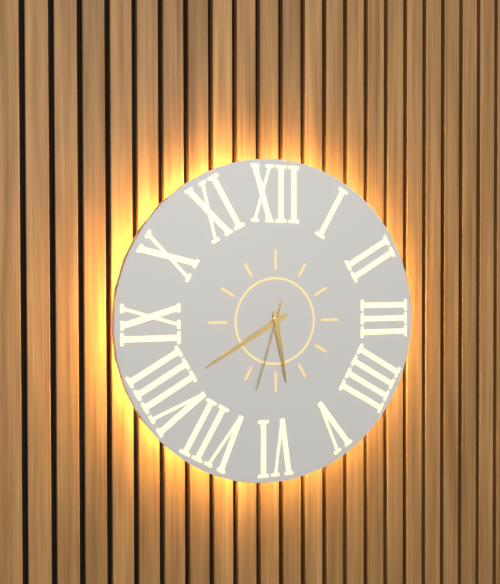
5.40.33
